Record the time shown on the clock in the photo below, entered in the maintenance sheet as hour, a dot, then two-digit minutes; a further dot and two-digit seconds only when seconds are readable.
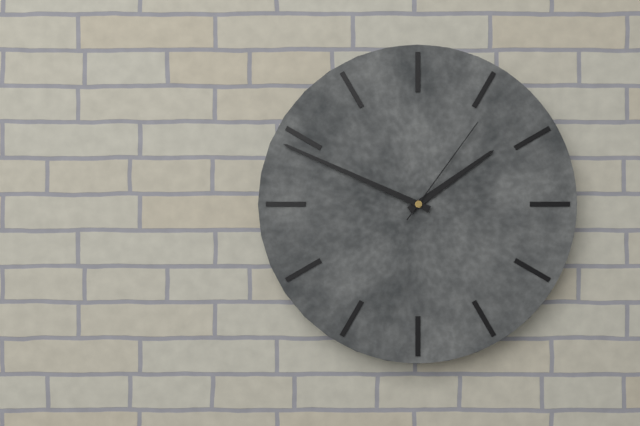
1.49.06
